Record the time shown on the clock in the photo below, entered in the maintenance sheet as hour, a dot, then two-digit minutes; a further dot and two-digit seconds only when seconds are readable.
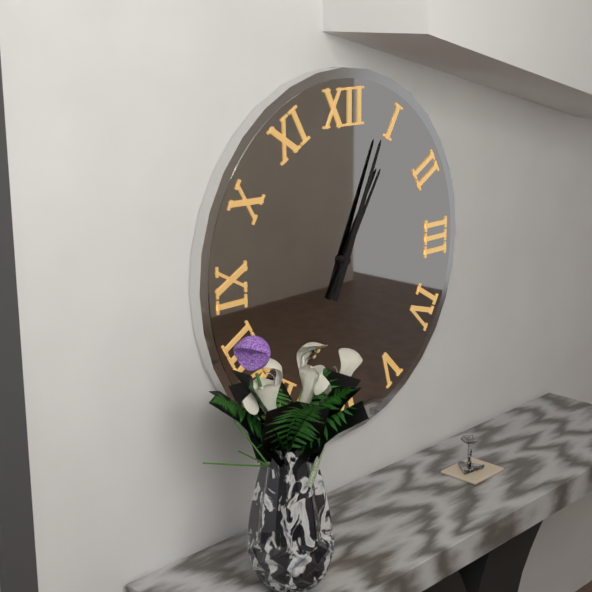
1.04
